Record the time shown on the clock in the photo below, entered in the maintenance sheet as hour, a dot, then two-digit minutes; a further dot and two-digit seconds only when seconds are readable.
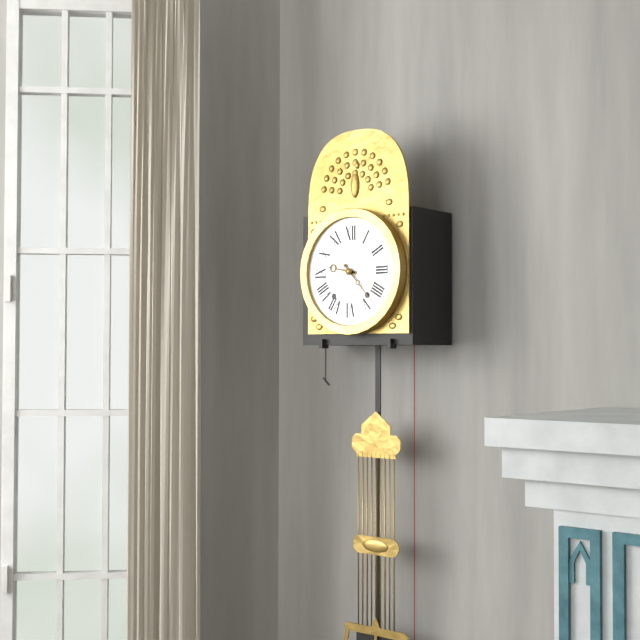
9.23
